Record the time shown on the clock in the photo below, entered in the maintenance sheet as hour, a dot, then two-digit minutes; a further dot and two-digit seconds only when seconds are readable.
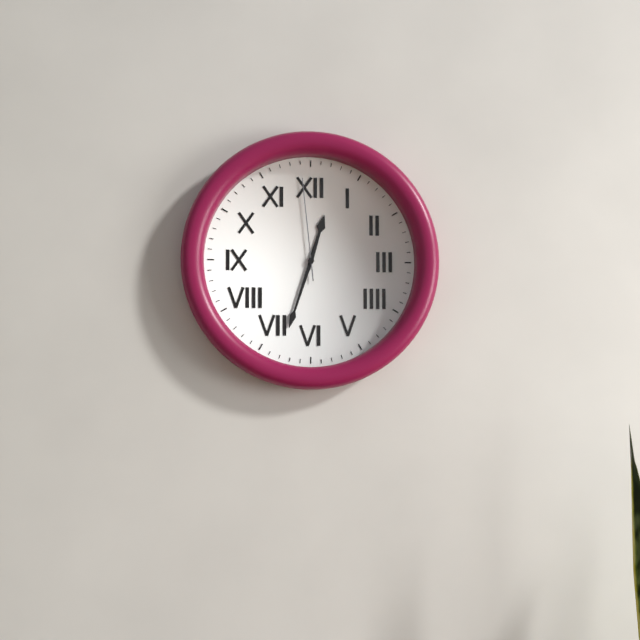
12.33.59
